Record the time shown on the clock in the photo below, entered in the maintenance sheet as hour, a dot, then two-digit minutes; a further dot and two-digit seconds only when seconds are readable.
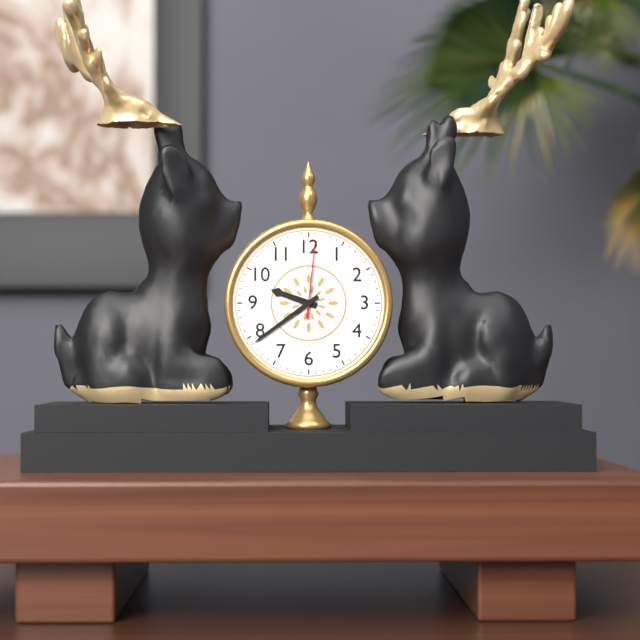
9.39.01
